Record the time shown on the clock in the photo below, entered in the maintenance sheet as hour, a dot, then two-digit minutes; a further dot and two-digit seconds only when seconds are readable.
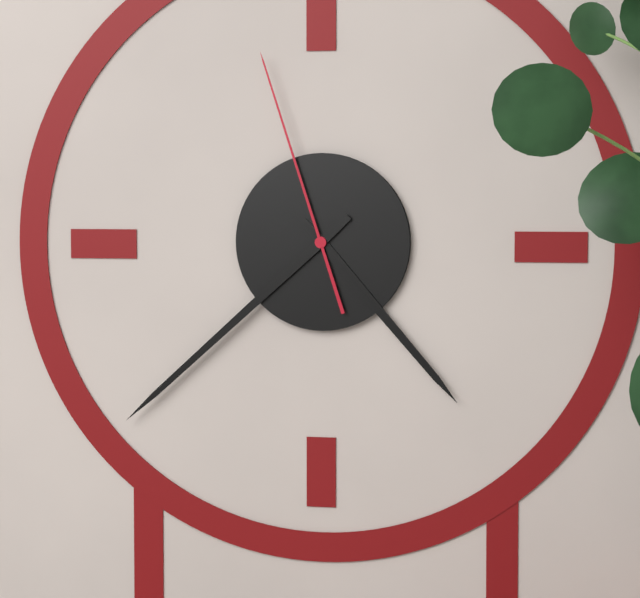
4.38.57
